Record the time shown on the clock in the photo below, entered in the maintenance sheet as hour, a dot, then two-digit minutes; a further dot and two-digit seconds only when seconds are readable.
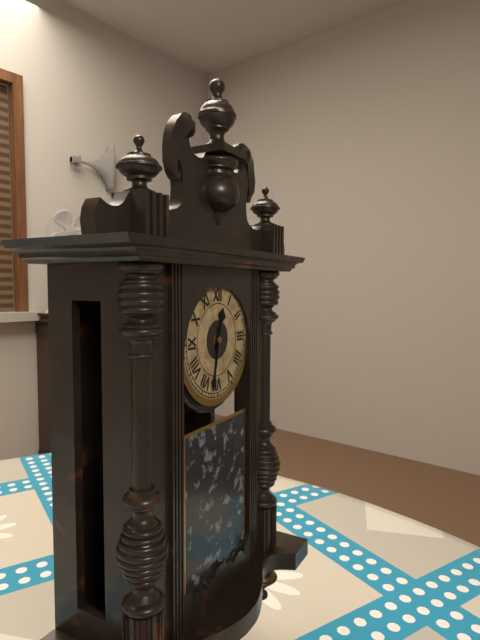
12.32
